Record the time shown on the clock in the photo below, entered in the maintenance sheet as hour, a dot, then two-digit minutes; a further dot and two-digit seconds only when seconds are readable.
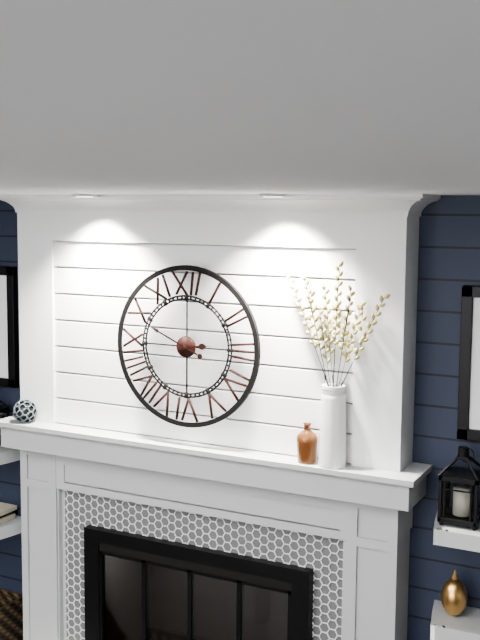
2.49
